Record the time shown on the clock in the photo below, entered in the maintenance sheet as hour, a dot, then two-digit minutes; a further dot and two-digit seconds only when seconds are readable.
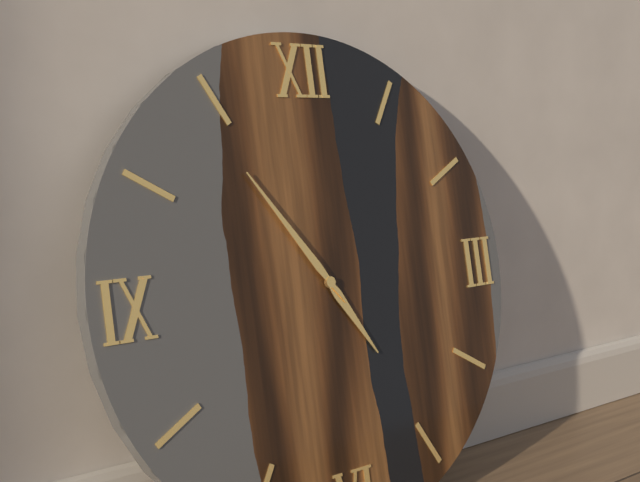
4.54
